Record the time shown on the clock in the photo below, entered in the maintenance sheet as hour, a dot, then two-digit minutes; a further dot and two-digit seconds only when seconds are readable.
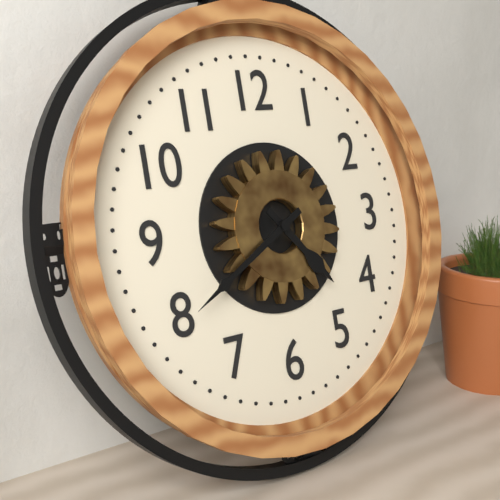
4.40
